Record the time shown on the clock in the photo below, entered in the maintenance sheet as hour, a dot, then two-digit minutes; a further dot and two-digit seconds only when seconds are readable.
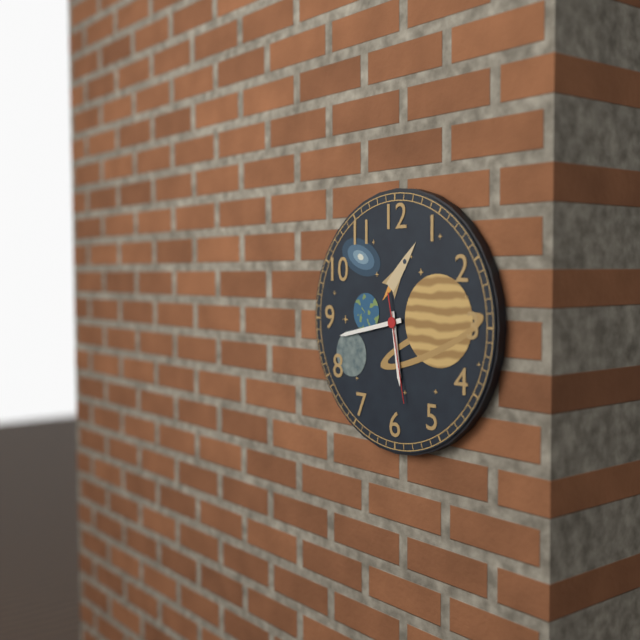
5.43.28
